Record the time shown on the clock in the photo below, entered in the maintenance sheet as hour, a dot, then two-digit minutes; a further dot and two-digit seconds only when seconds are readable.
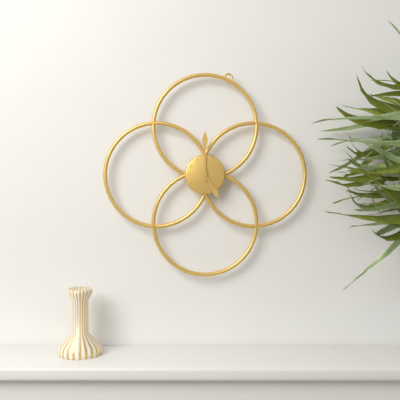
5.00
